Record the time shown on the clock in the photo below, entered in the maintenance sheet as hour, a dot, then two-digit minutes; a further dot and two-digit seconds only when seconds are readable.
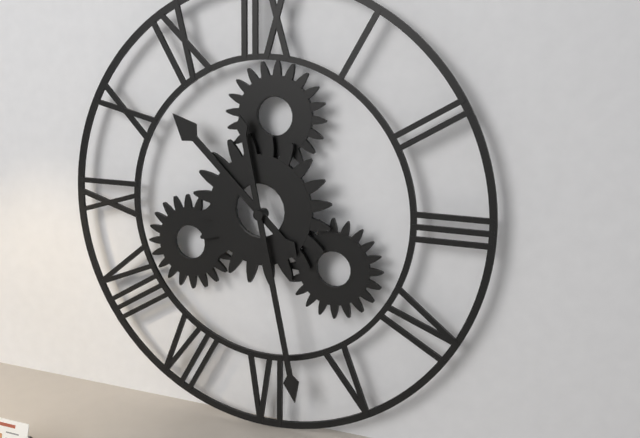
10.28
